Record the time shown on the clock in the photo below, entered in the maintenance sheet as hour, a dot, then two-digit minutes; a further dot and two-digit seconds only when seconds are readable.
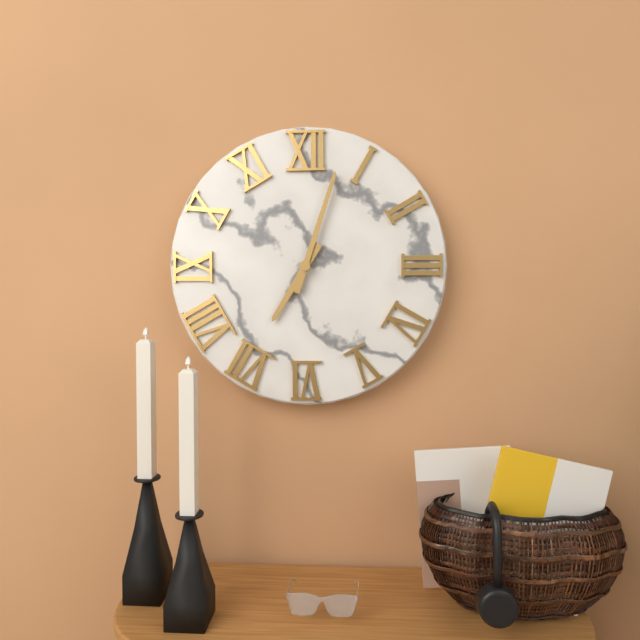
7.03
